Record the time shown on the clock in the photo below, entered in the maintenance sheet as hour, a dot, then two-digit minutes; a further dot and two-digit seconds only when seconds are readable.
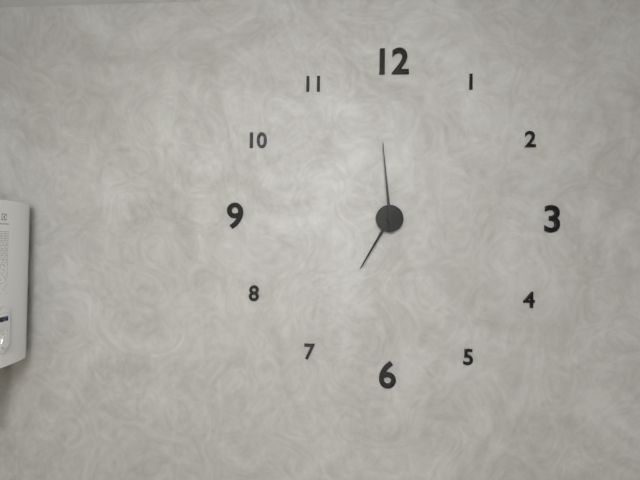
6.59
